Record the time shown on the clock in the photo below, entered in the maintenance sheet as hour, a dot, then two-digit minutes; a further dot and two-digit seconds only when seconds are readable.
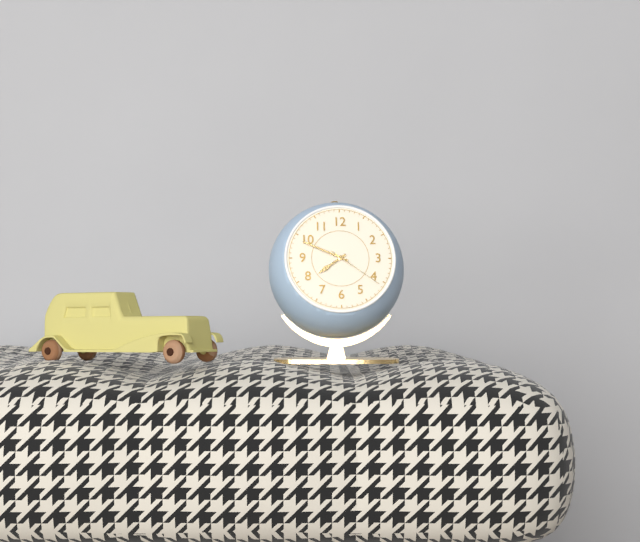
7.49.21
